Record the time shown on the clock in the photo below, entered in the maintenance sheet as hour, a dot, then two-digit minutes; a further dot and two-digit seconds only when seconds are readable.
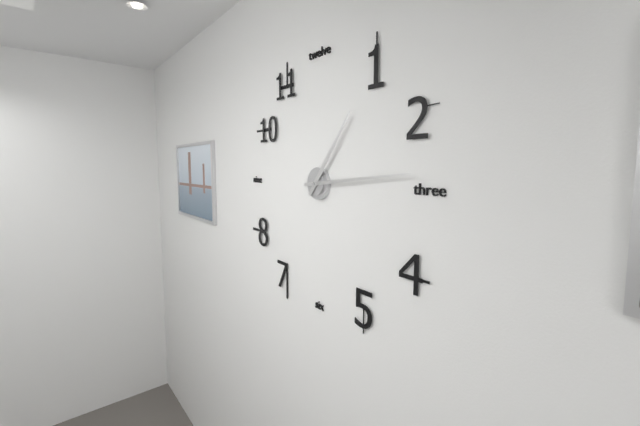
1.14
